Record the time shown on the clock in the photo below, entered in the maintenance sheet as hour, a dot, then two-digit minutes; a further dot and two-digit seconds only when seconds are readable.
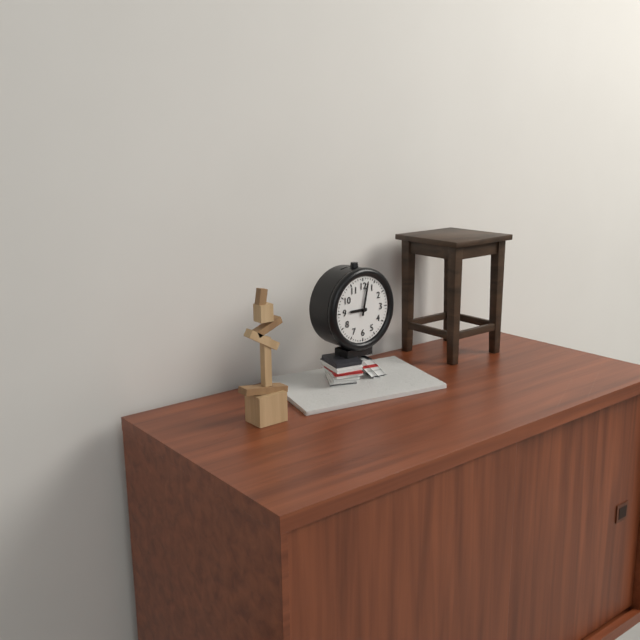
9.02
